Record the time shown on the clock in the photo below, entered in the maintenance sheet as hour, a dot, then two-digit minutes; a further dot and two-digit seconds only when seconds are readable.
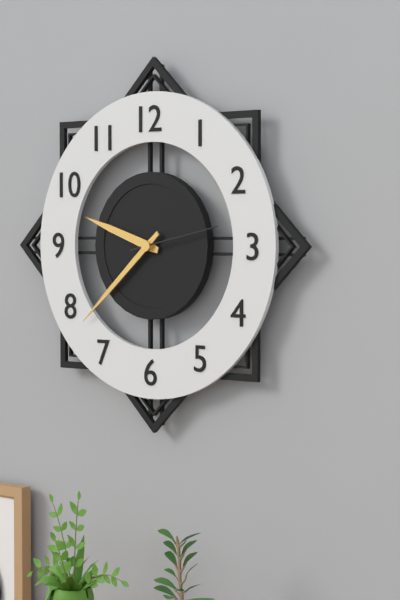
9.38.13
